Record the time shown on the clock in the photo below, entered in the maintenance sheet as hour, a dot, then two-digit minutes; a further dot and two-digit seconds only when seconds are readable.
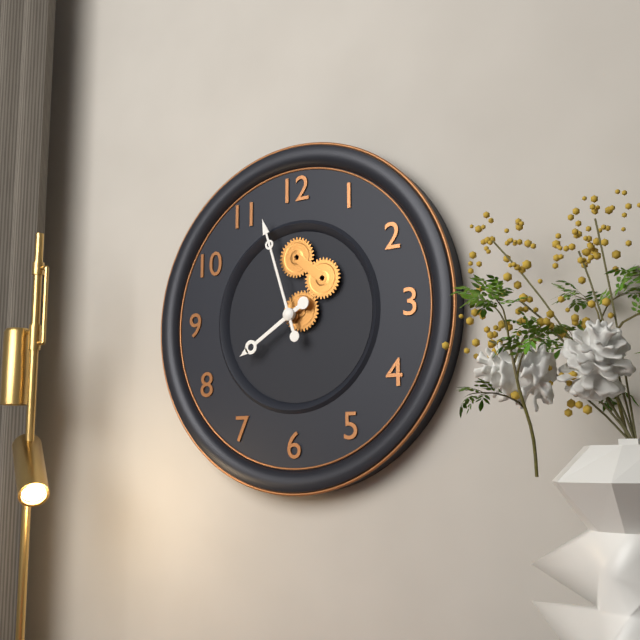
7.57
